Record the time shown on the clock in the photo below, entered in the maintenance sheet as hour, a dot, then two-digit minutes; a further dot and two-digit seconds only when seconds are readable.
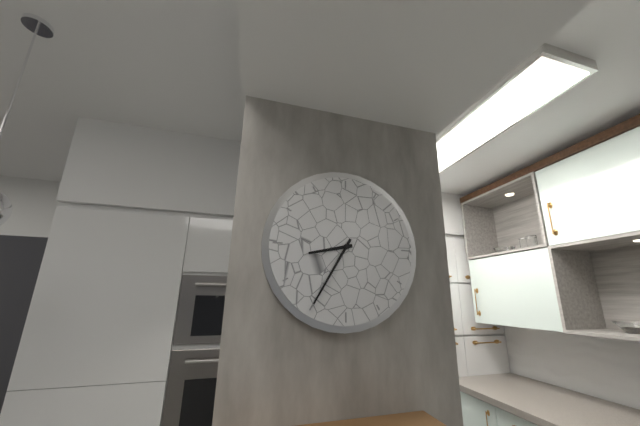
8.35
